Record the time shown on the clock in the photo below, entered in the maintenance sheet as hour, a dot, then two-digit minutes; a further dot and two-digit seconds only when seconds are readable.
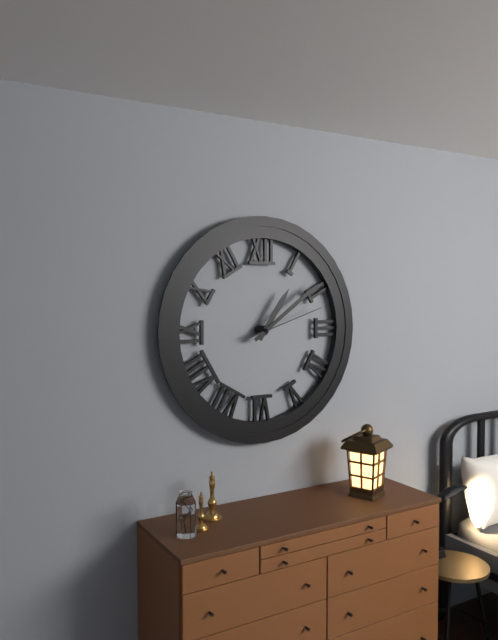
1.09.12
